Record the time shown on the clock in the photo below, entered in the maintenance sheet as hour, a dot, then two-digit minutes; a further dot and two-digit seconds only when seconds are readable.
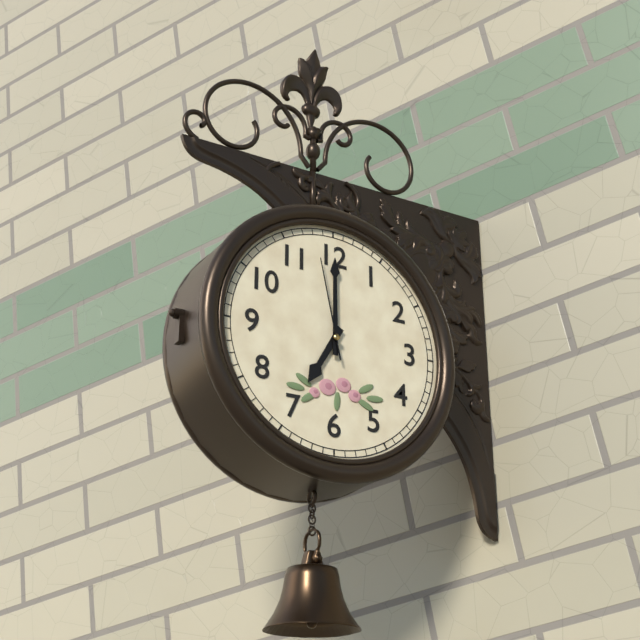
7.00.58
